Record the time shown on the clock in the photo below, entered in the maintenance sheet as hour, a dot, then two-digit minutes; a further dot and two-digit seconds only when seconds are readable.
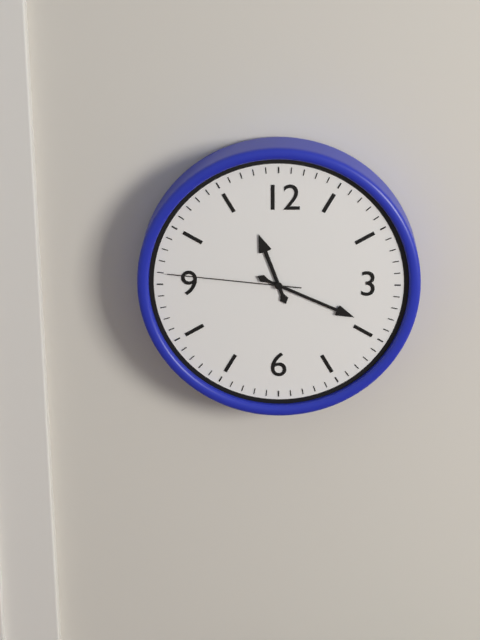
11.19.46
